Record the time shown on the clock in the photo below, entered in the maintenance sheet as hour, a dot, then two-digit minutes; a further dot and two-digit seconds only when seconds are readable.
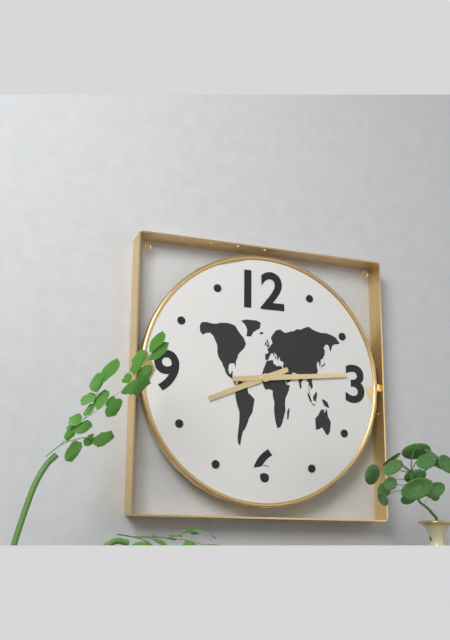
8.14
